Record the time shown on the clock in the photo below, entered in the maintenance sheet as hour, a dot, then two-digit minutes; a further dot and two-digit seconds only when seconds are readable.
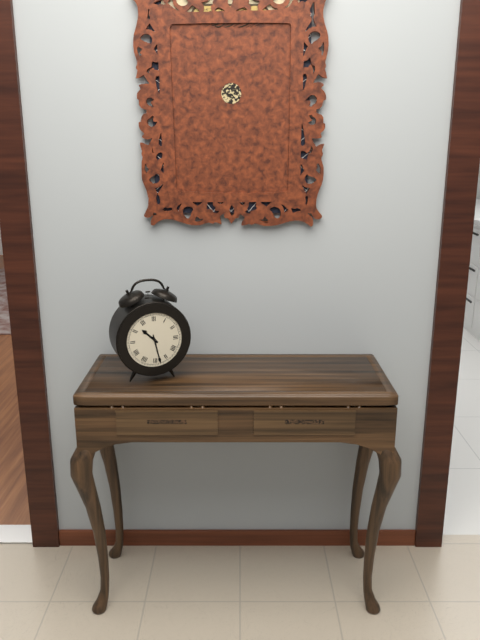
10.28
